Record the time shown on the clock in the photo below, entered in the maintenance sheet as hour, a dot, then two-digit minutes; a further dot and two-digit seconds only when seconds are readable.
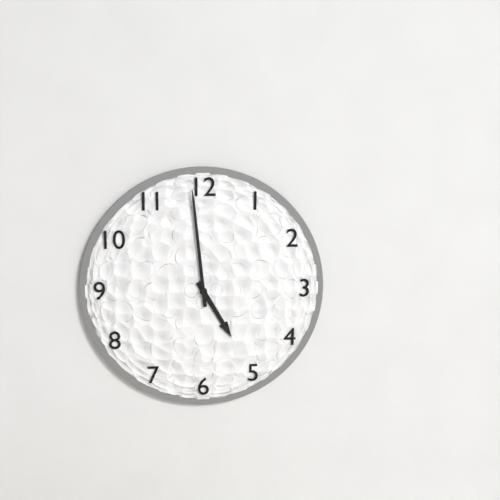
4.59
